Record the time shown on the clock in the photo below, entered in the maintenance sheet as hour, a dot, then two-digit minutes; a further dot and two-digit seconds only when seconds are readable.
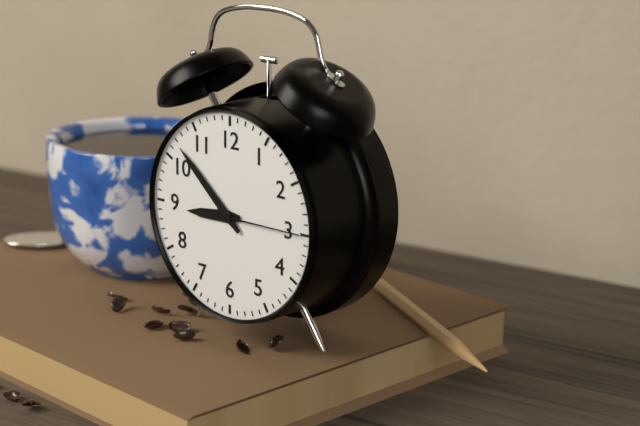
8.52.15
